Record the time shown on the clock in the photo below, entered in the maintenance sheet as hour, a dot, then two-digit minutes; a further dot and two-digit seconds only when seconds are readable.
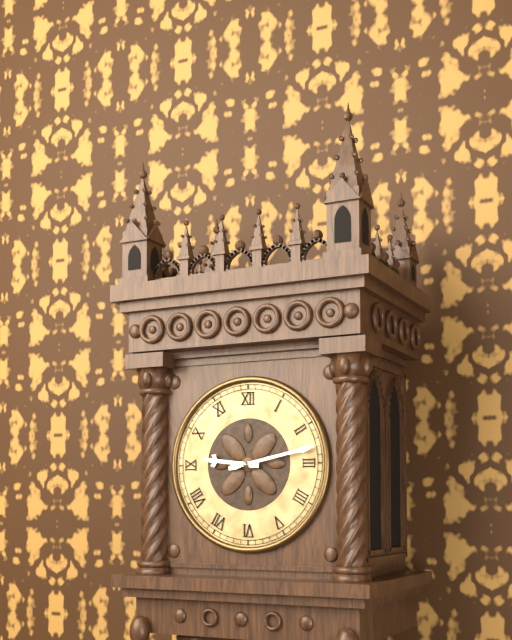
9.13
